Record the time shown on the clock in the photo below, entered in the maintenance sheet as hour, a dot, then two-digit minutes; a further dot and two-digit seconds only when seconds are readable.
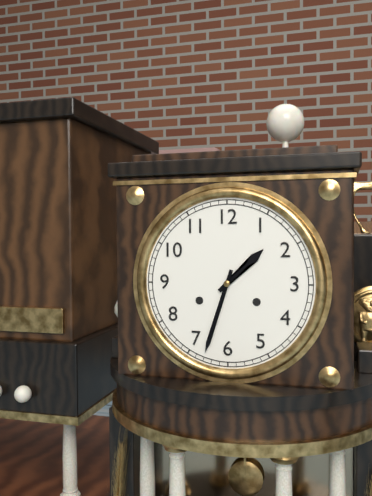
1.33
